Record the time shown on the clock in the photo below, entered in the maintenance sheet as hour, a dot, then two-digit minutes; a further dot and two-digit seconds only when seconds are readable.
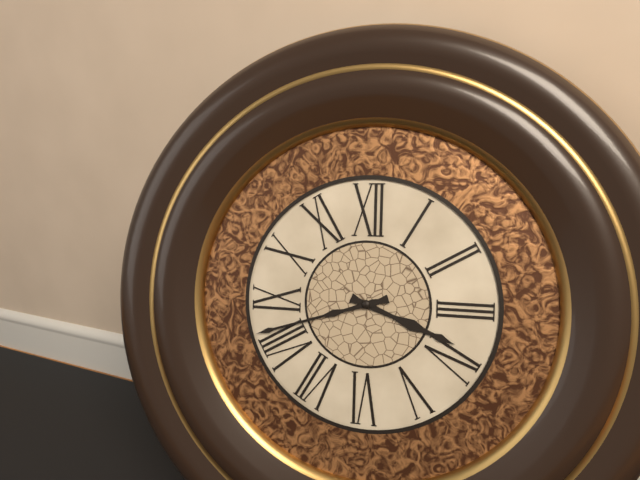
3.42
